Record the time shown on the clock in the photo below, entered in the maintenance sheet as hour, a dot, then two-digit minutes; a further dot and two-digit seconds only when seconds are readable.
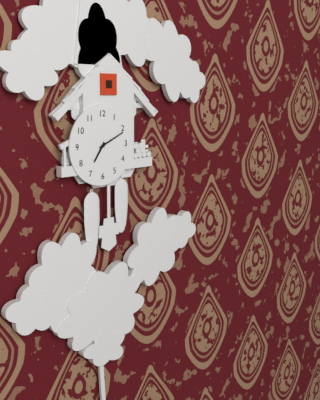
7.11
